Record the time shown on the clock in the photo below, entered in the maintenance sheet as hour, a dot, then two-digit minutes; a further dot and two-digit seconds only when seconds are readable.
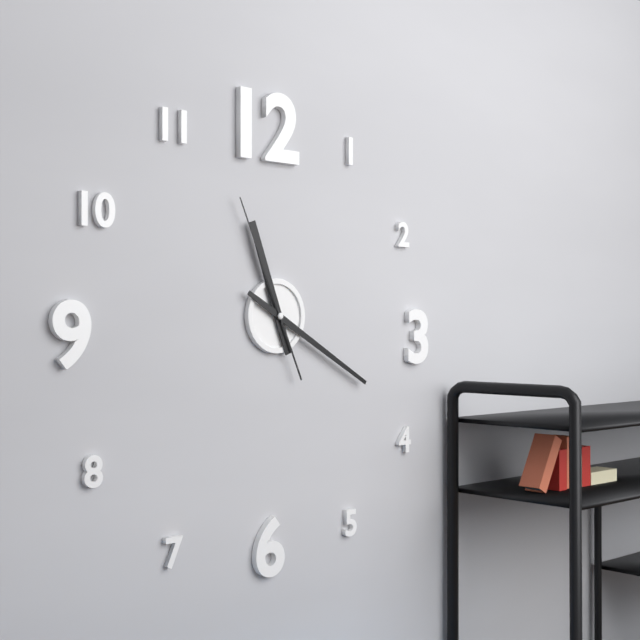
11.20.56
